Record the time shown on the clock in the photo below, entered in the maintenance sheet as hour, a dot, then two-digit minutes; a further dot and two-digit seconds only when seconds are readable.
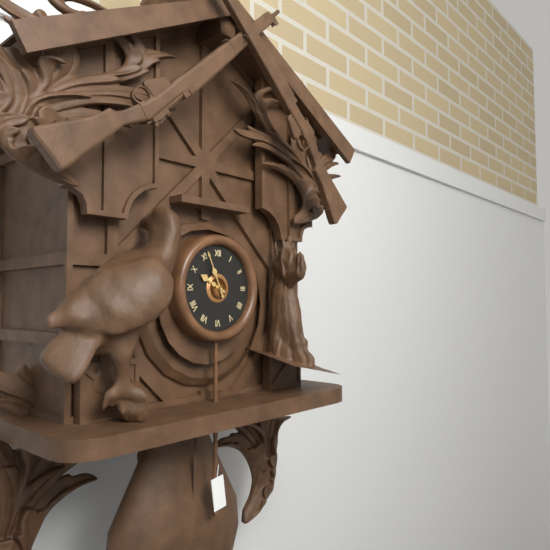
9.56
